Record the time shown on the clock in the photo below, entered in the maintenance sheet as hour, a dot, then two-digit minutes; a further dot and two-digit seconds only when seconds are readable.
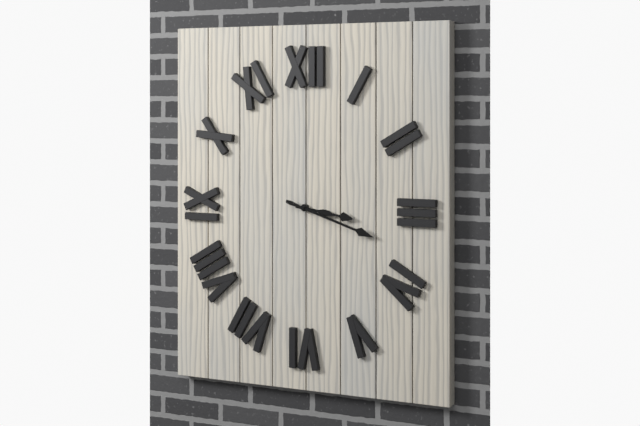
3.18
